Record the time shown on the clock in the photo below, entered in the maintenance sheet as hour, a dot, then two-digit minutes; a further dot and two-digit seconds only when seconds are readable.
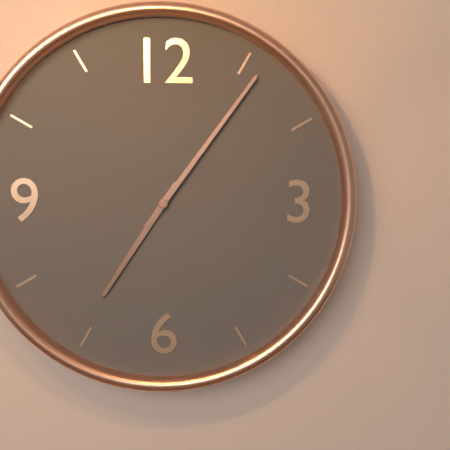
7.06
